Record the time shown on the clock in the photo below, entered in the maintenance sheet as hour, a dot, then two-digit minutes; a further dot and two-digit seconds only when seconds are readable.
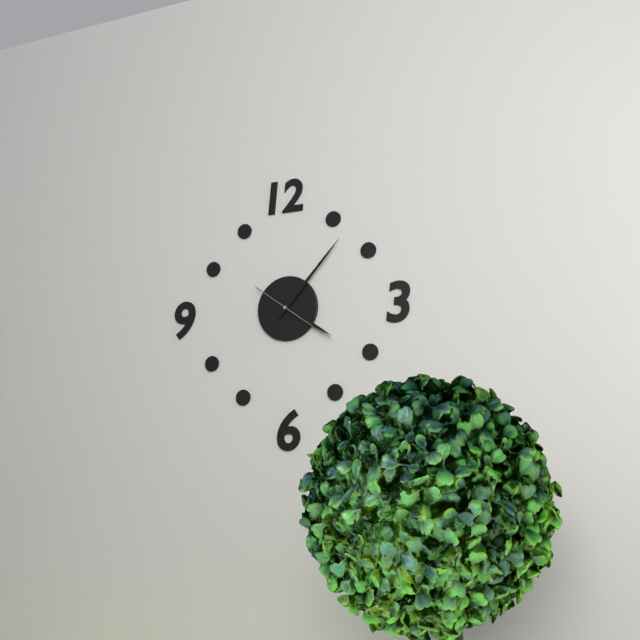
4.07.21
